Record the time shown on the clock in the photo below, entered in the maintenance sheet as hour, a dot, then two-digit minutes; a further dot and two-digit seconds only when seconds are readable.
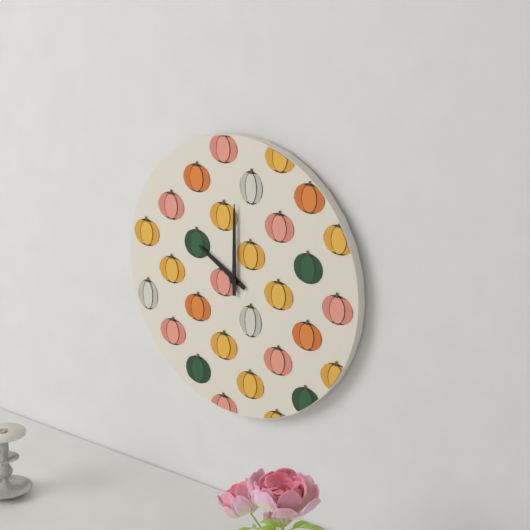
10.00
